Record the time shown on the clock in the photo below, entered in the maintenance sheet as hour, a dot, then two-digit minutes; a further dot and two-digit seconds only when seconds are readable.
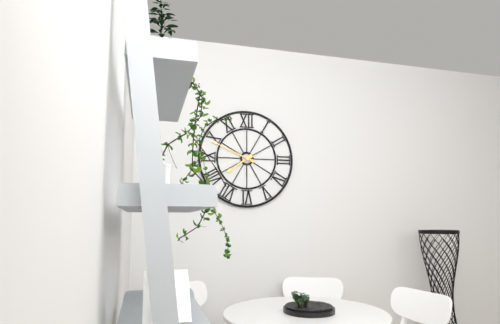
7.49
